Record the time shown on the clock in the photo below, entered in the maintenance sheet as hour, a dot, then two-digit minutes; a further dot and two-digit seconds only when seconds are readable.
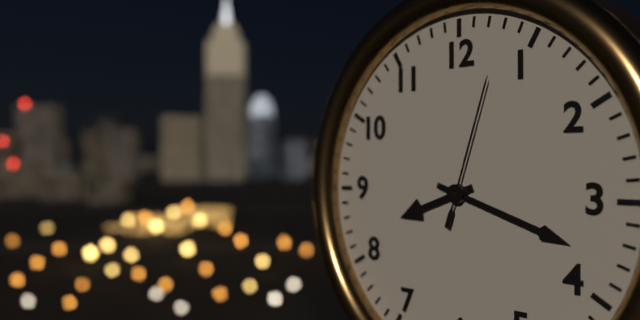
8.18.03
